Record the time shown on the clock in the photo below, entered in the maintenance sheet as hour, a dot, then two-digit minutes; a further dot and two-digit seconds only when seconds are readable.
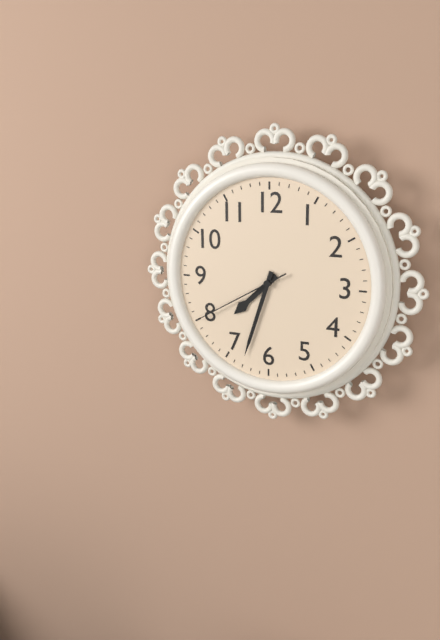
7.33.40
